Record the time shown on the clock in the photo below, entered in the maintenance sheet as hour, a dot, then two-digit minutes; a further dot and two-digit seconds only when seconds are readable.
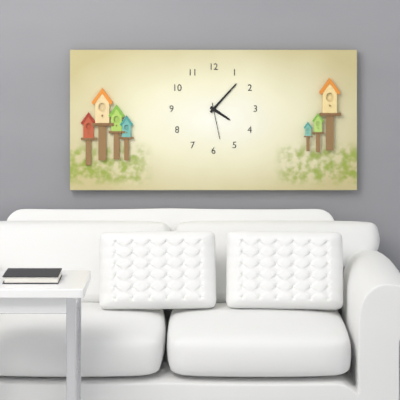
4.07
